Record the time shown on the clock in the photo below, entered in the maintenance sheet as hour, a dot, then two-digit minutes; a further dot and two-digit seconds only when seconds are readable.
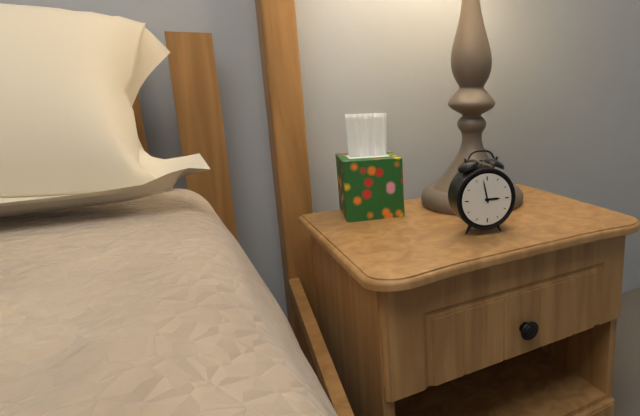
2.58
